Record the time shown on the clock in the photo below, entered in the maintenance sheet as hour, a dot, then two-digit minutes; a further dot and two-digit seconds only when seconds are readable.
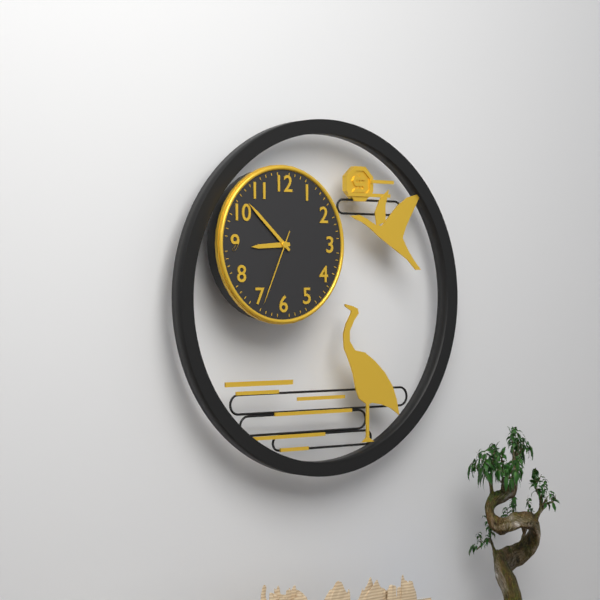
8.52.34
